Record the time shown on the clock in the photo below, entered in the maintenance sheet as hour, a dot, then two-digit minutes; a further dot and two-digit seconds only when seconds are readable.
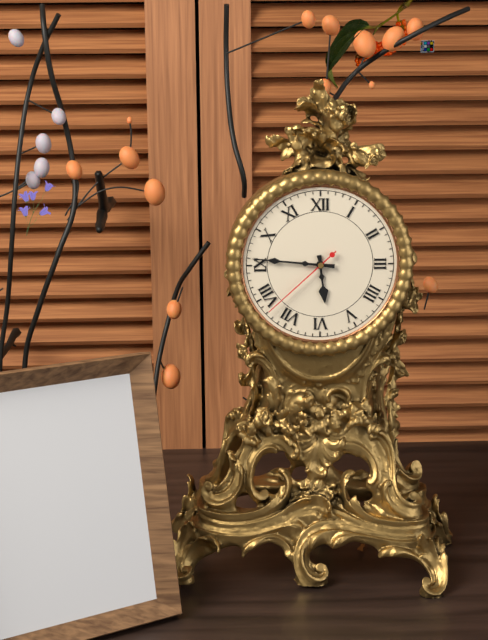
5.46.38
